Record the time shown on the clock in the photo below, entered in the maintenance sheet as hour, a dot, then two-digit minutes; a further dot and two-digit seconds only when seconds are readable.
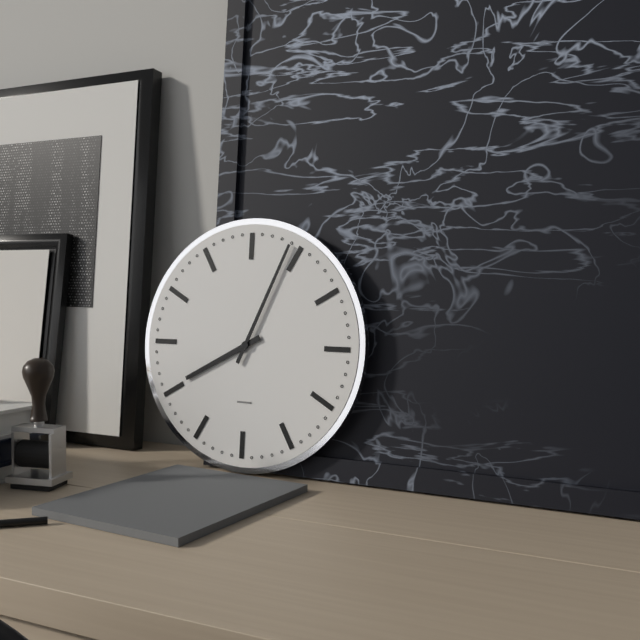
8.04
